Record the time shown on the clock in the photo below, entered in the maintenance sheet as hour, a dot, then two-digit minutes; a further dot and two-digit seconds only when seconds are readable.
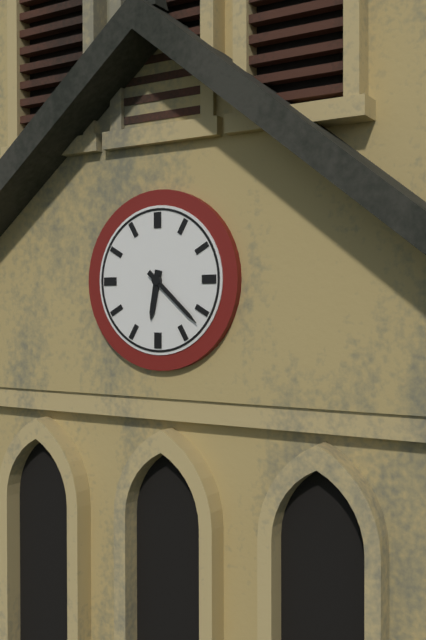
6.22
